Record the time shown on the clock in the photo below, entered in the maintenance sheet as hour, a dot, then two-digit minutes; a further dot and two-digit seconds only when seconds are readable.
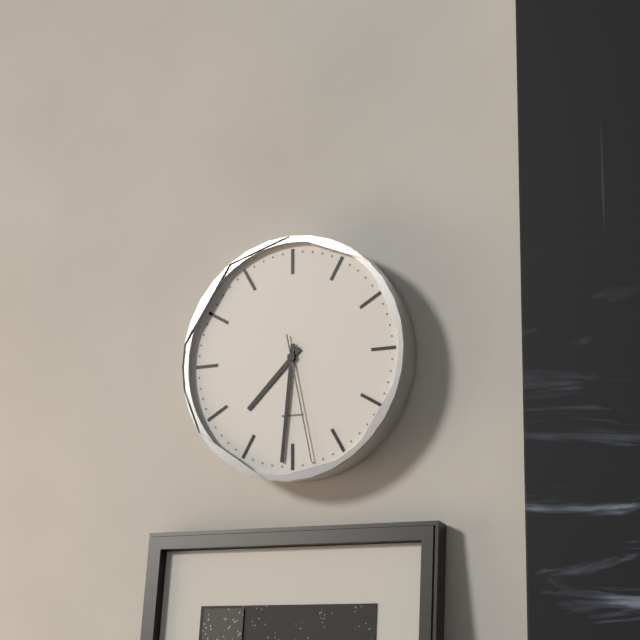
7.31.28
